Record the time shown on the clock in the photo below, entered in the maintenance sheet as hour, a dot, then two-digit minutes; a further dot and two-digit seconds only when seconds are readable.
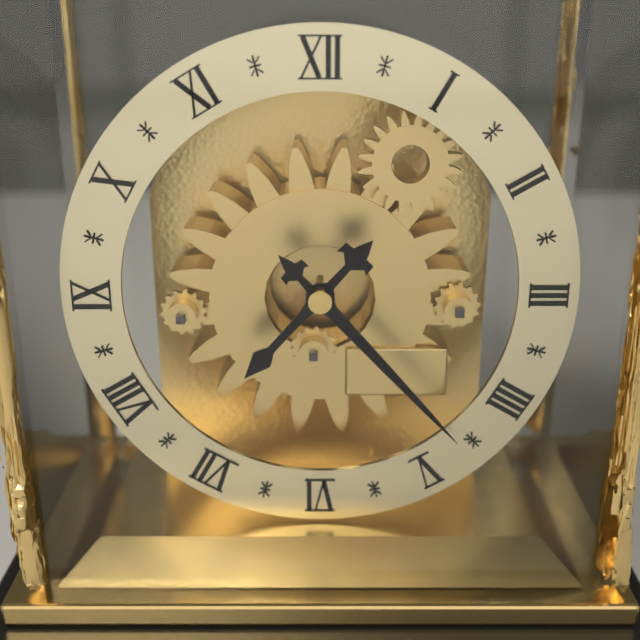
7.23
